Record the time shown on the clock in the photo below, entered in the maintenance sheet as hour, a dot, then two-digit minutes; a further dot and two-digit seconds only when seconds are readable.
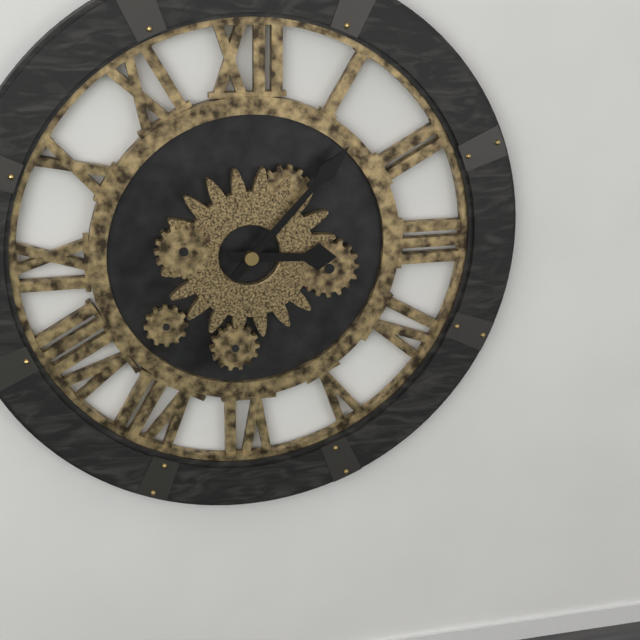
3.07
